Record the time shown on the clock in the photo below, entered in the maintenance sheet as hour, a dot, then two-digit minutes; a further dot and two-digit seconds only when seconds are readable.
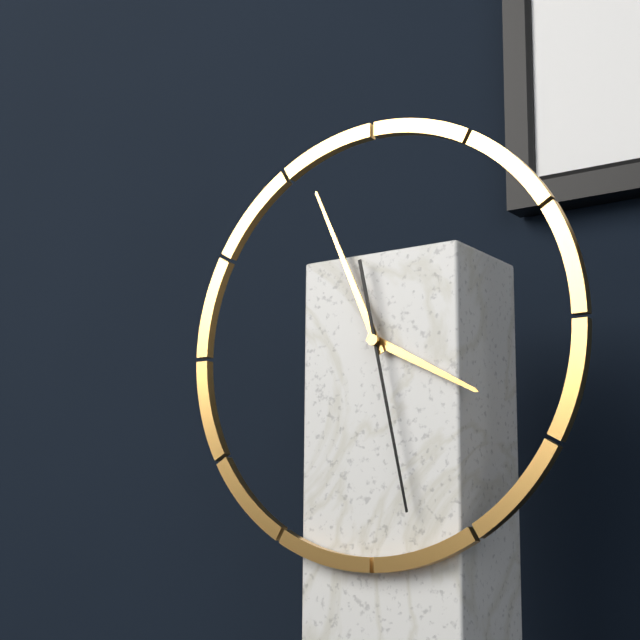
3.56.28
